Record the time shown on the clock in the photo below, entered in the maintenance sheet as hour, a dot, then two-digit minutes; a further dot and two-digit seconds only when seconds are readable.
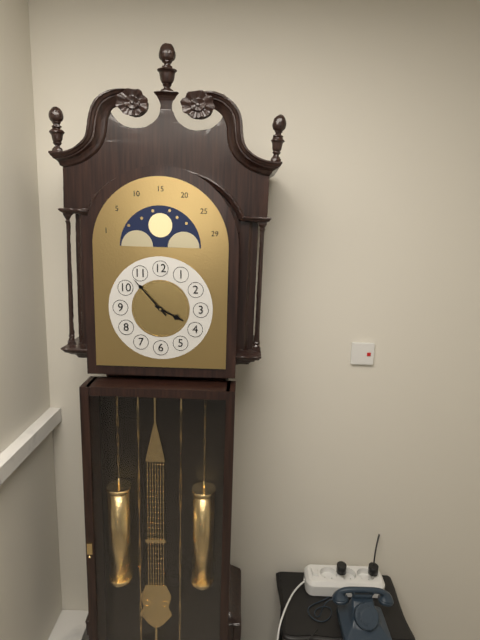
3.53
